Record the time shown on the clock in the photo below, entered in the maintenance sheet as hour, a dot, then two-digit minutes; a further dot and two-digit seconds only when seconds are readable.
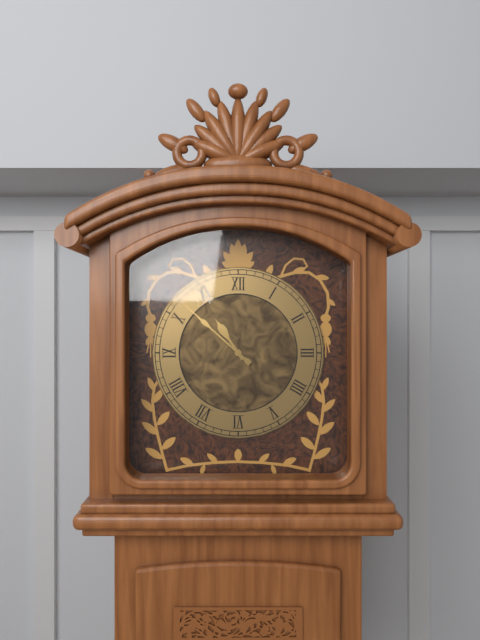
10.52
